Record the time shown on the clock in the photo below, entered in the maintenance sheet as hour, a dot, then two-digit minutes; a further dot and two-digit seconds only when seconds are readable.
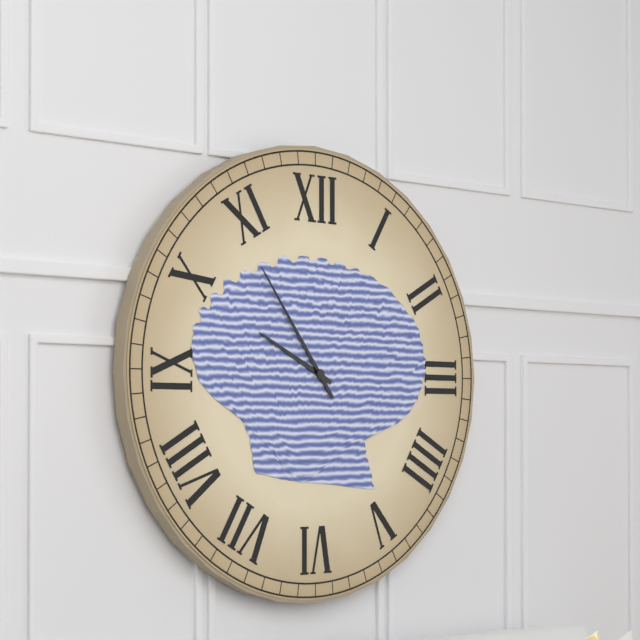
9.54
